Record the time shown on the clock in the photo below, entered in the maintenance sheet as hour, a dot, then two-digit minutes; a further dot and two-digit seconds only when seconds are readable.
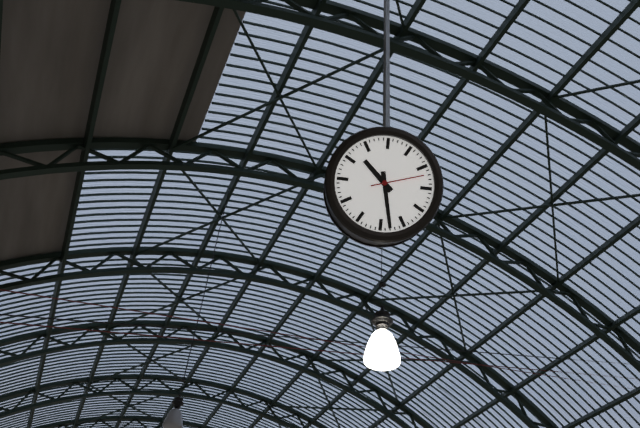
10.28.12
